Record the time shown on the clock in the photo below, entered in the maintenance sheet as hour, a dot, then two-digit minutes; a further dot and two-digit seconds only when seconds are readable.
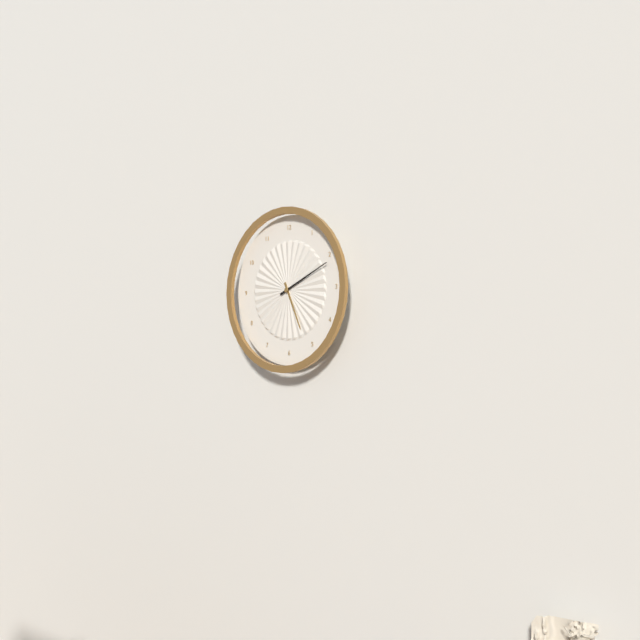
5.11
